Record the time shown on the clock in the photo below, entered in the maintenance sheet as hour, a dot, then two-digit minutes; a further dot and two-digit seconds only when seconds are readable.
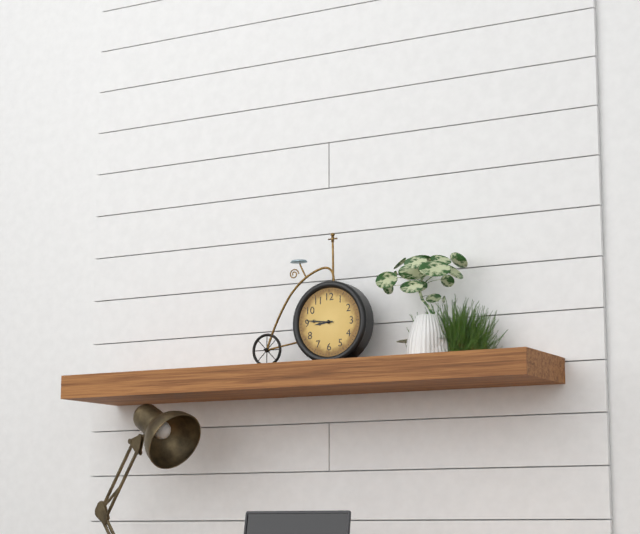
8.46
